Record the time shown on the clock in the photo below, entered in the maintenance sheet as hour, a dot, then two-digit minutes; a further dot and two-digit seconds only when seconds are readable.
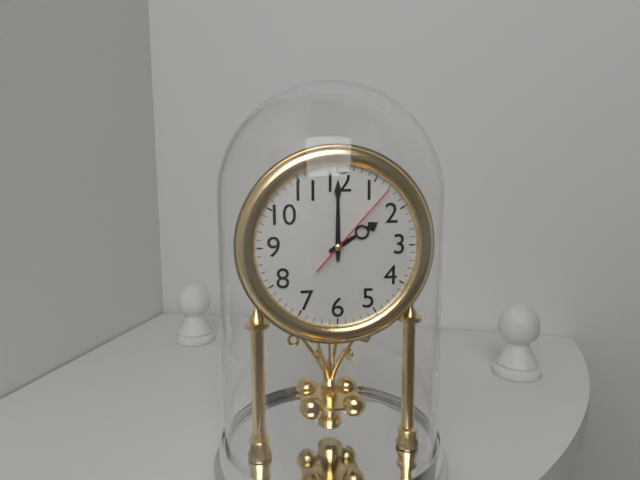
2.00.07
